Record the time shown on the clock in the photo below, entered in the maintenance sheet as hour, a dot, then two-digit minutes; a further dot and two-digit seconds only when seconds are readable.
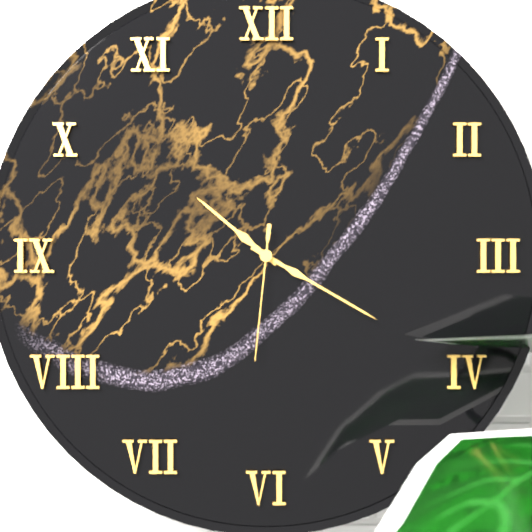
10.20.31
